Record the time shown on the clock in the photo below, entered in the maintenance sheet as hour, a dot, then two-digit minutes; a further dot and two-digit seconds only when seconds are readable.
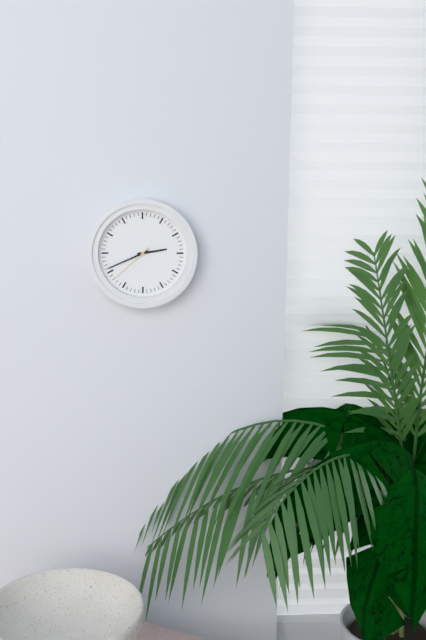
2.41
